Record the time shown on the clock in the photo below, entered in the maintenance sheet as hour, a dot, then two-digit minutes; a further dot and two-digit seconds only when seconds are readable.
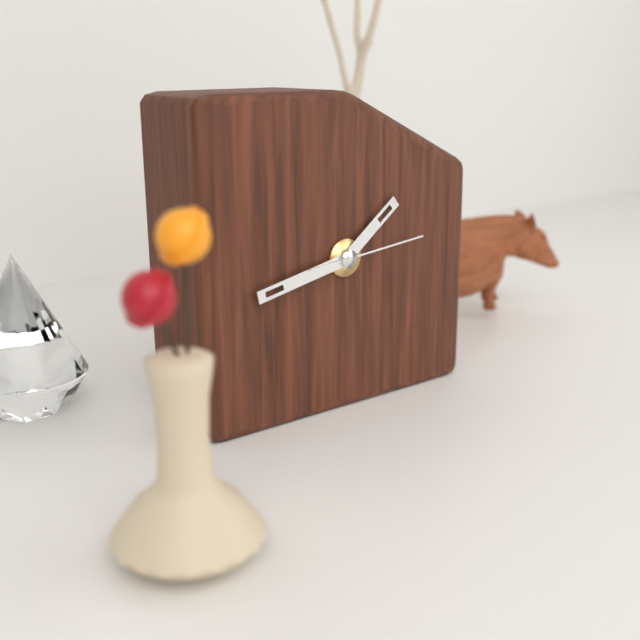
1.43.14
